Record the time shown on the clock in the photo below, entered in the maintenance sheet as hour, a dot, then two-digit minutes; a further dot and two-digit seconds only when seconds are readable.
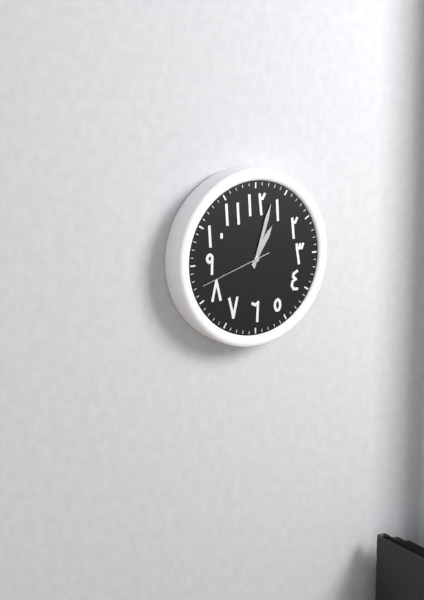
1.03.42
